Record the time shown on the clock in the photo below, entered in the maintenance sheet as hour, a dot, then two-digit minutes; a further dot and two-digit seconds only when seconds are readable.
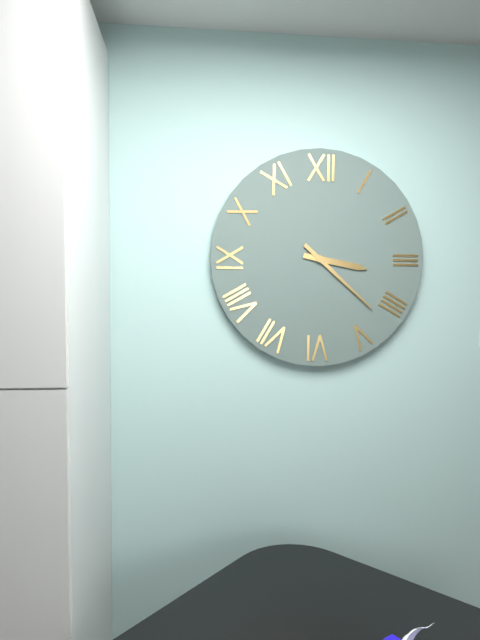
3.22
